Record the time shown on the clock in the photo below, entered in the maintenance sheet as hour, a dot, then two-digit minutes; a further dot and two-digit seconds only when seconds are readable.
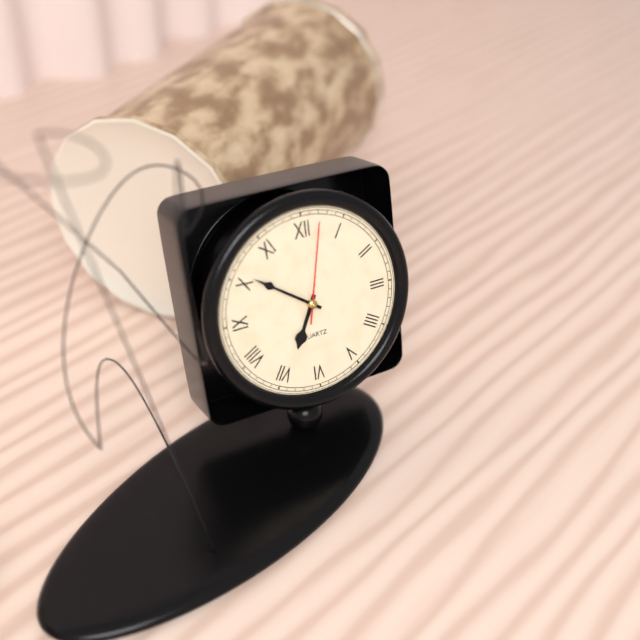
6.51.02
